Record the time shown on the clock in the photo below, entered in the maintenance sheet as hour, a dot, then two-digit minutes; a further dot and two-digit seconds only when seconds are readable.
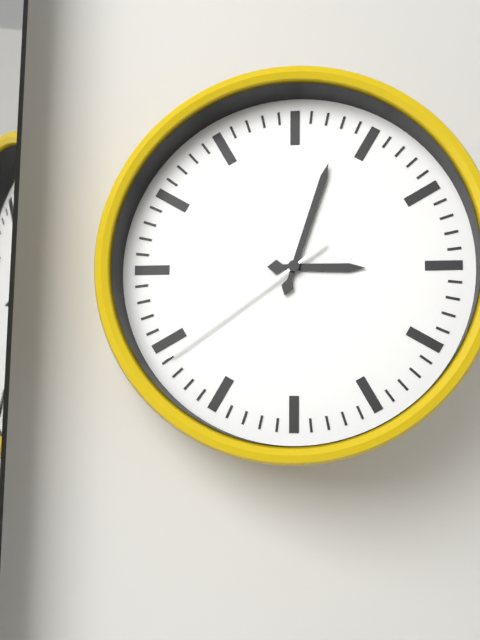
3.03.39
